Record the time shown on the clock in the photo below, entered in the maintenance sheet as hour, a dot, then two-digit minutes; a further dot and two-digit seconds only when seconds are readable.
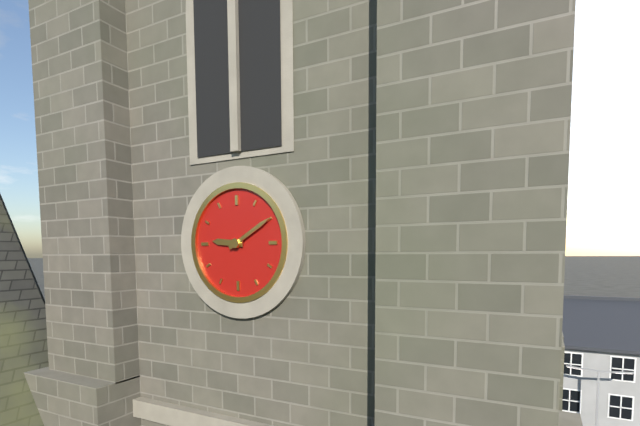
9.10
